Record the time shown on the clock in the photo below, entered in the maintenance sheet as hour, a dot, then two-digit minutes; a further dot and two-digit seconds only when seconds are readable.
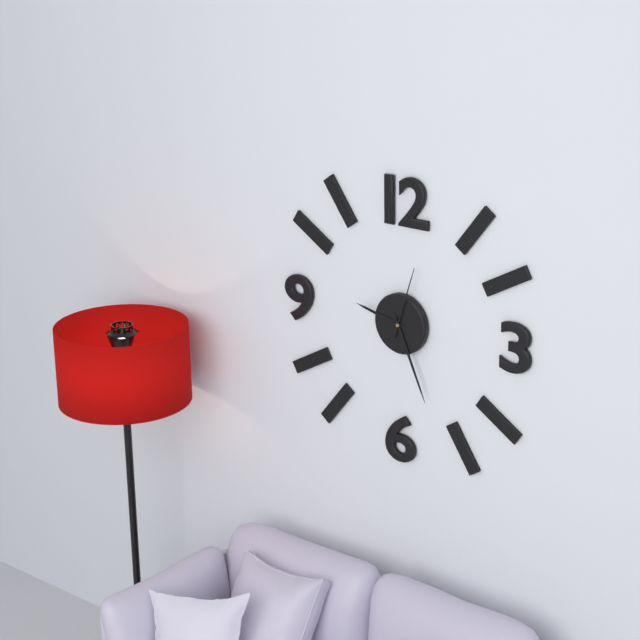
9.26.03
